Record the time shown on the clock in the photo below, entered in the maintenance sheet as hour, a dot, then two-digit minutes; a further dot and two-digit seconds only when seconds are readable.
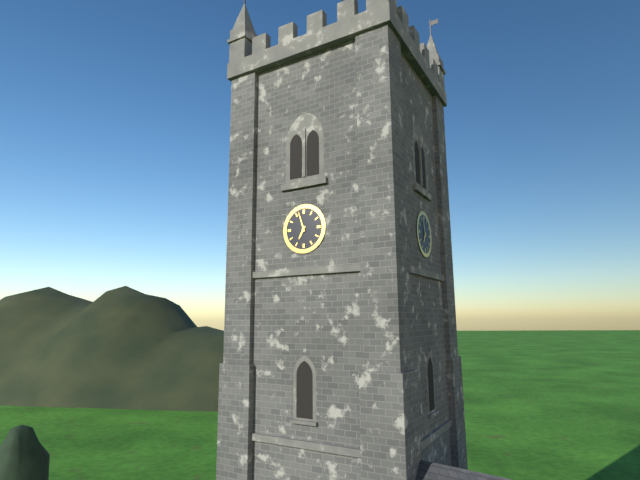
6.57
